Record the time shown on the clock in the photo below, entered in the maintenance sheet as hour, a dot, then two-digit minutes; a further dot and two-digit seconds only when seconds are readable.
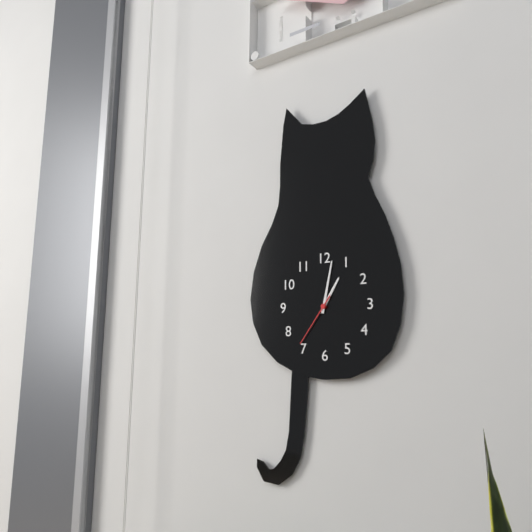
1.02.36
